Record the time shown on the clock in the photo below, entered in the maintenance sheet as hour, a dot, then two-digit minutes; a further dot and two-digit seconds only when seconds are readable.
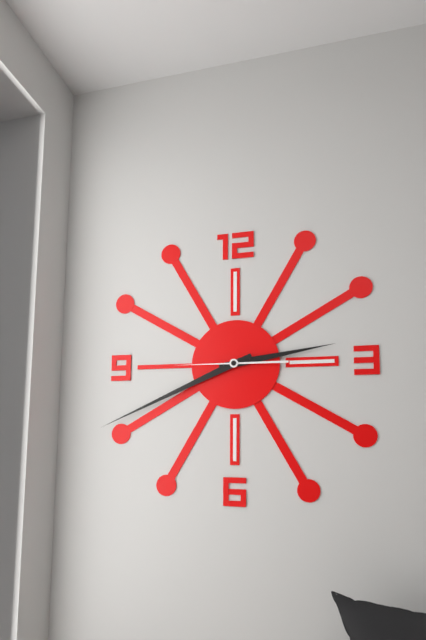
2.41.45
